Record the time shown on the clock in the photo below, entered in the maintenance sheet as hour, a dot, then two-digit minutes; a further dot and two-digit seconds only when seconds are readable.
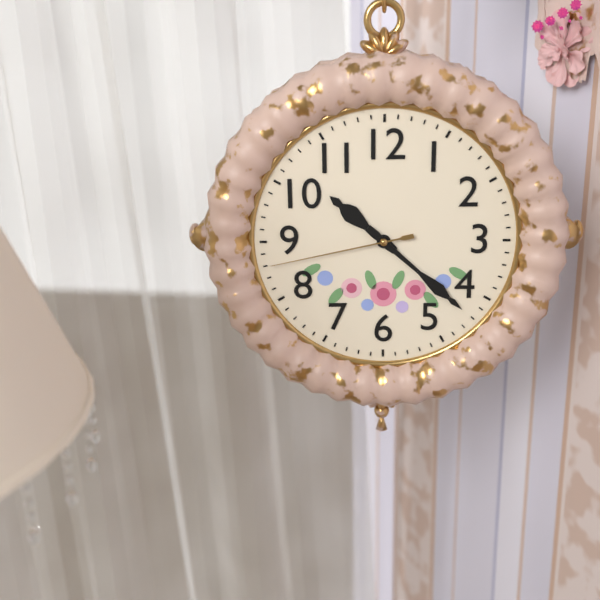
10.22.43
